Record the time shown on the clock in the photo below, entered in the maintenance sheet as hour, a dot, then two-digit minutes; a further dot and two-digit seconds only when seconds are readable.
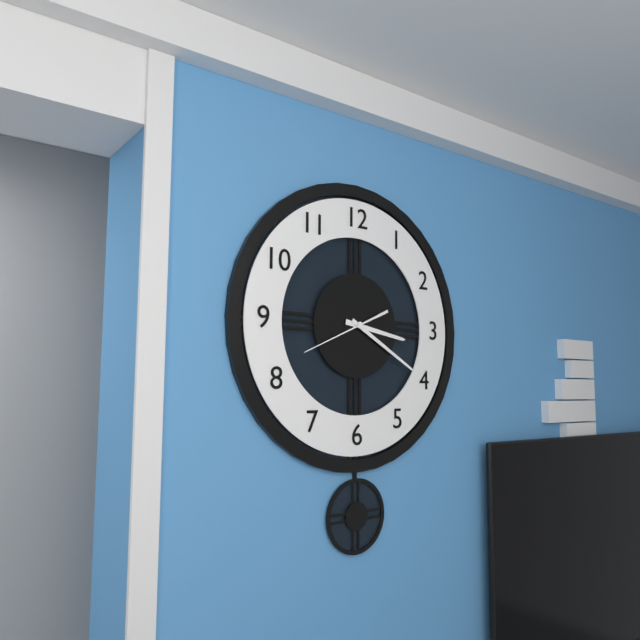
3.20.41
